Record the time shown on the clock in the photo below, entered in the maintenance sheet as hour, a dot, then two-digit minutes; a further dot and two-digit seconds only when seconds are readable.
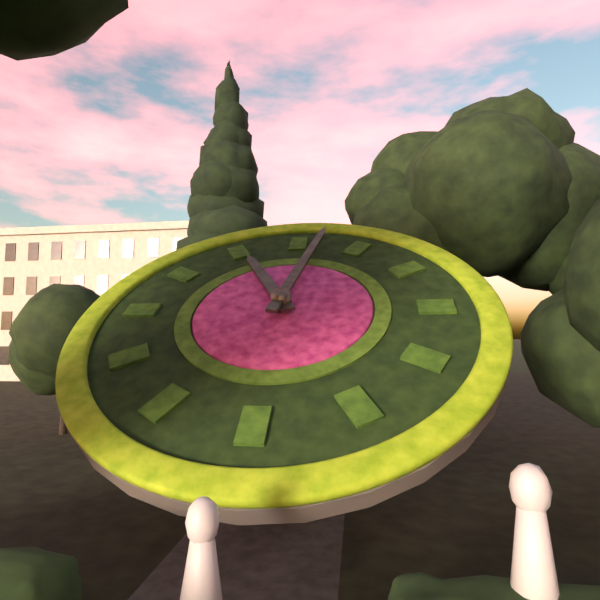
11.02
